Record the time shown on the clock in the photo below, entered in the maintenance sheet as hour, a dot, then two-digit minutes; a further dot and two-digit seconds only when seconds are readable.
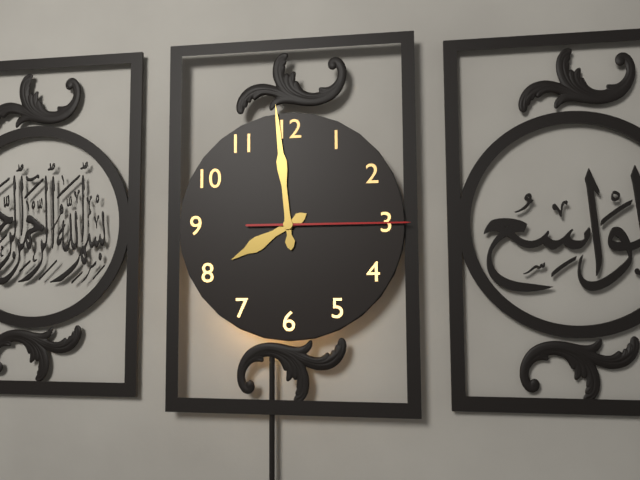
7.59.15
